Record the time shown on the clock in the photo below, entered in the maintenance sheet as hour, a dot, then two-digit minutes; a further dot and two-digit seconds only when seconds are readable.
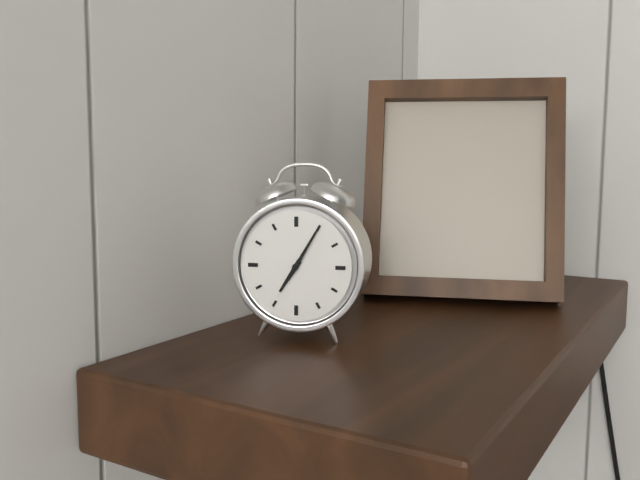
7.05
